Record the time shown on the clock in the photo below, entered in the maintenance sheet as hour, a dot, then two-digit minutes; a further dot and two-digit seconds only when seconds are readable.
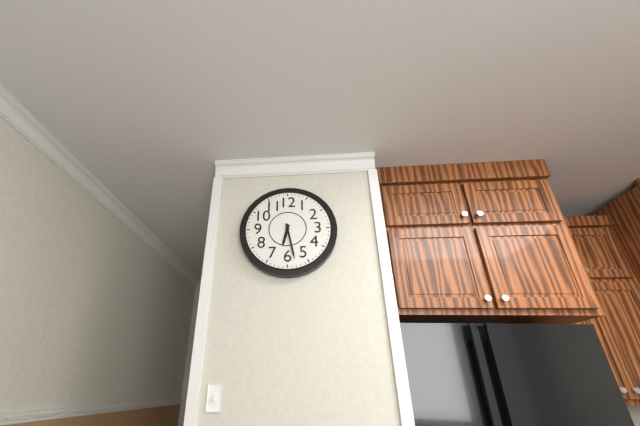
6.28
